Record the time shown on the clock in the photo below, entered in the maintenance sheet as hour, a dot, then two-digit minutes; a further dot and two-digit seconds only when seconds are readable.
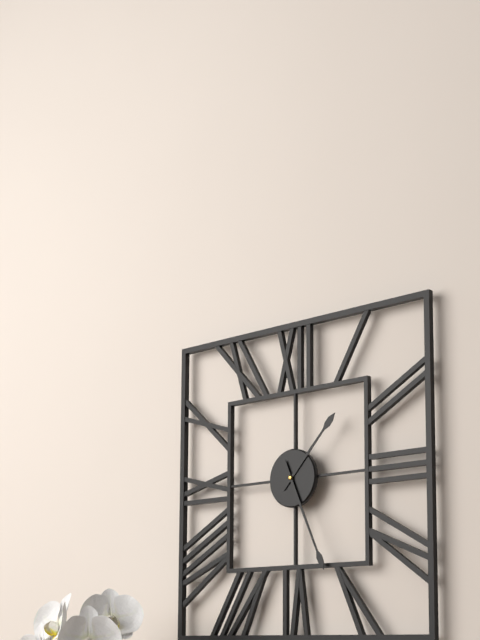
1.26
